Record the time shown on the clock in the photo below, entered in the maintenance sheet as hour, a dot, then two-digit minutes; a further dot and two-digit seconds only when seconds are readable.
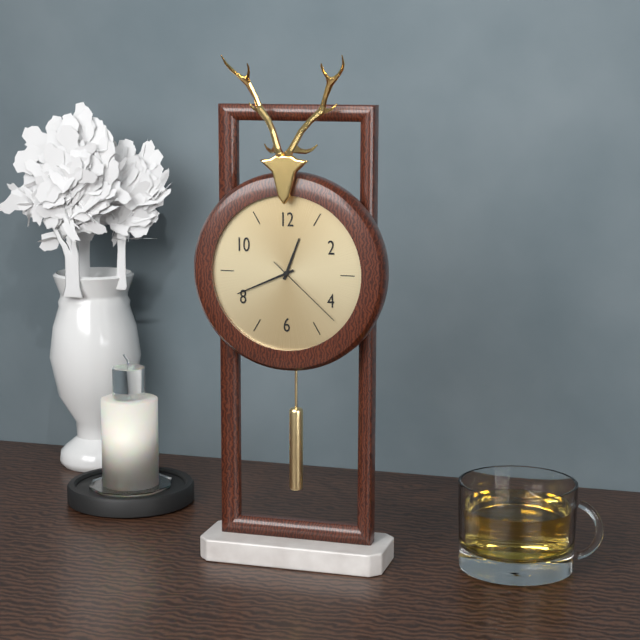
12.41.22
